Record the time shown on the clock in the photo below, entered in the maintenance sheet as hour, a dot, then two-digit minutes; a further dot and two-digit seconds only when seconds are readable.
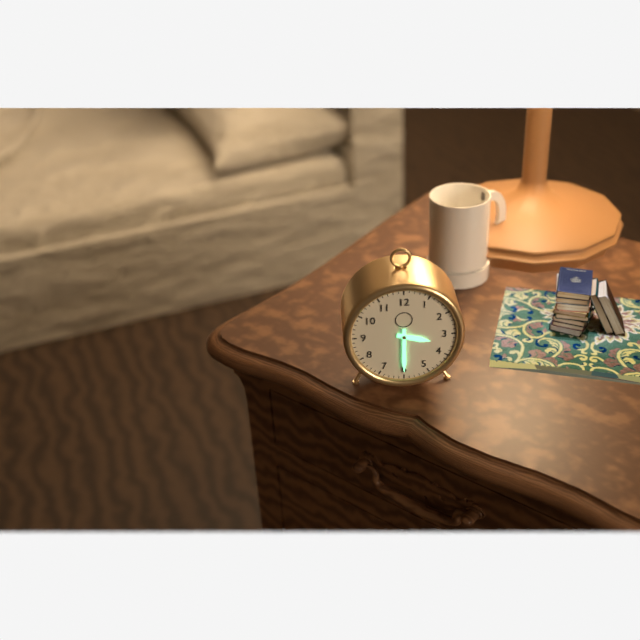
3.30
